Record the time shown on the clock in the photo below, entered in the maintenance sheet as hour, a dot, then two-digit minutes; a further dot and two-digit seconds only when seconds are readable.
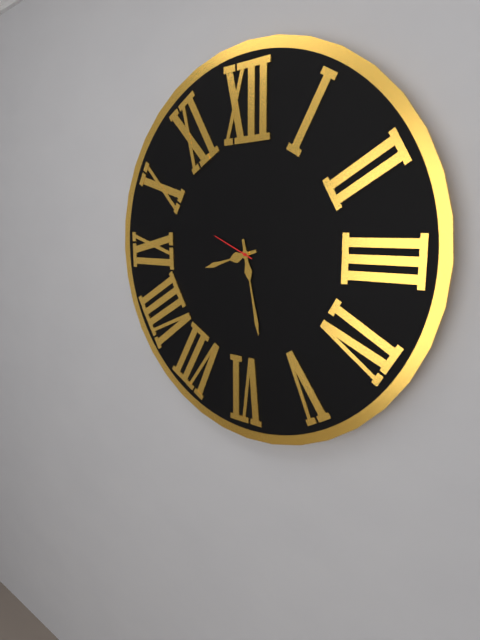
8.28
